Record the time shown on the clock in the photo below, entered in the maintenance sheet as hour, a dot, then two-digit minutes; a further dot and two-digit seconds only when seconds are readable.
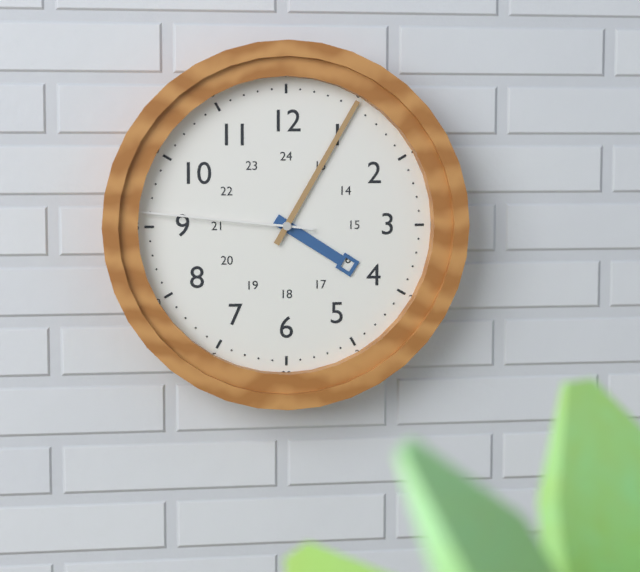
4.05.46
